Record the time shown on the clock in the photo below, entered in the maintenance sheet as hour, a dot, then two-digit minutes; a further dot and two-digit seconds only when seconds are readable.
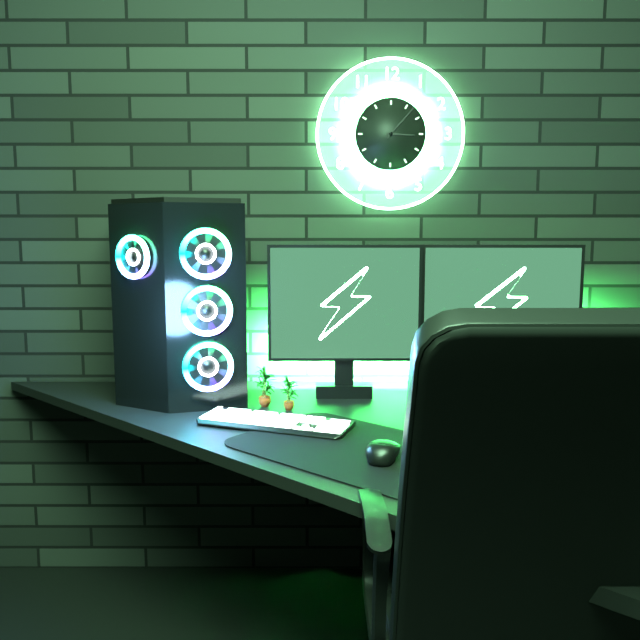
3.07
